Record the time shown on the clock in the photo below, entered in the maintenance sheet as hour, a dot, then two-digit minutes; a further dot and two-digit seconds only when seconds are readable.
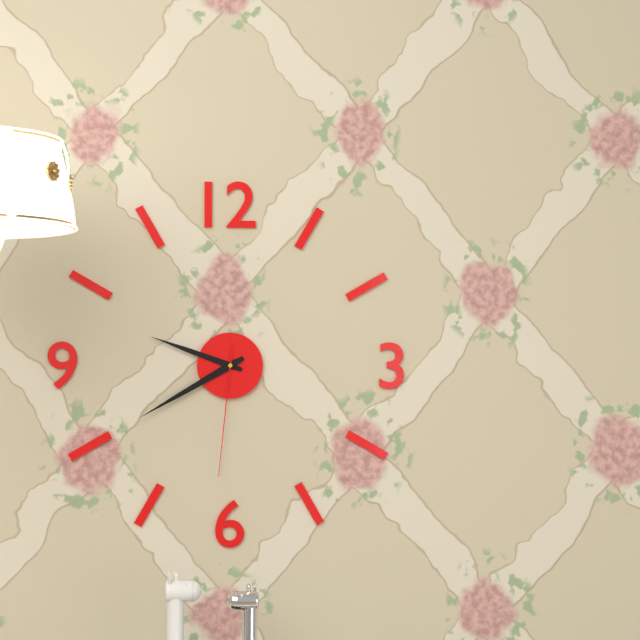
9.40.31
